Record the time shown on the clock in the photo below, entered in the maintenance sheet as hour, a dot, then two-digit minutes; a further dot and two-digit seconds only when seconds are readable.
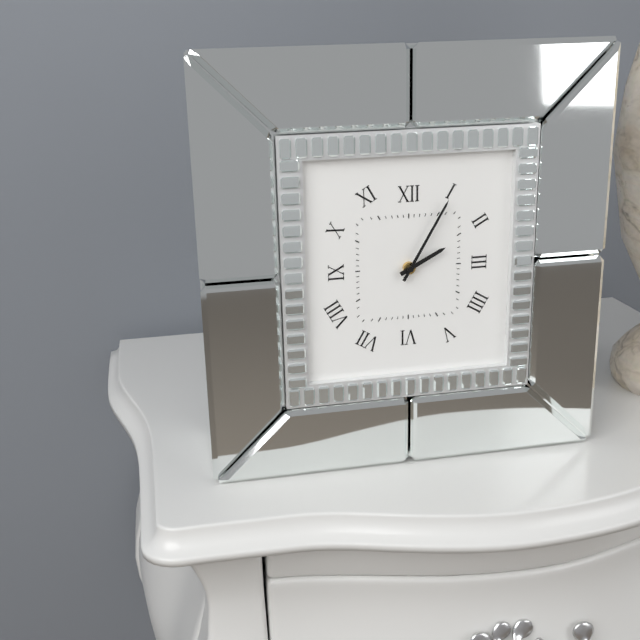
2.05
